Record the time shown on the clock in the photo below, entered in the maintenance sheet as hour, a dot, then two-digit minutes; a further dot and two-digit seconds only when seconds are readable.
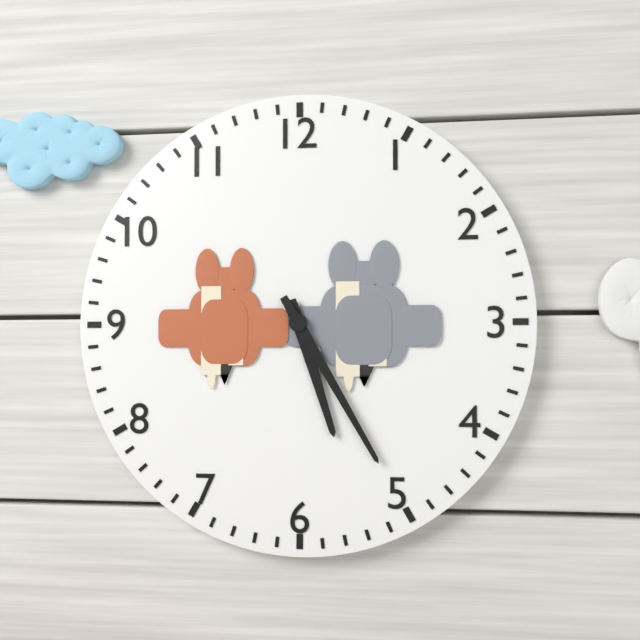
5.25
